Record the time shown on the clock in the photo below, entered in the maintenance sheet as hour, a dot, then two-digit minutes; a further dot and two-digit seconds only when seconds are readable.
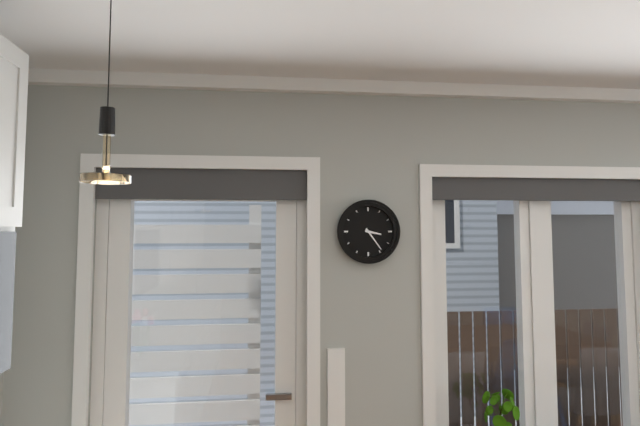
3.24
